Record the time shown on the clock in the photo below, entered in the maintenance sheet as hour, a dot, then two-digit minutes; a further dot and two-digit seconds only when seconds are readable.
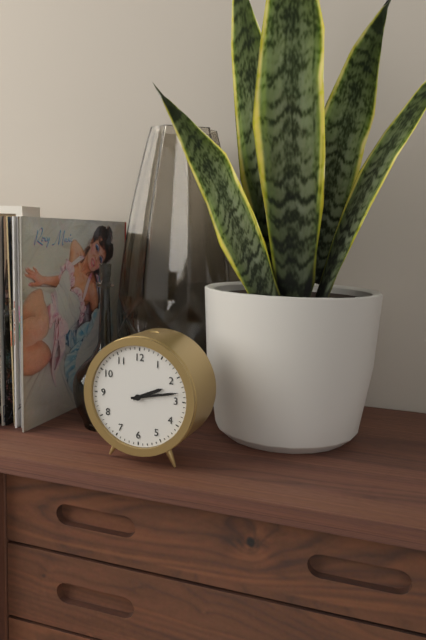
2.13
